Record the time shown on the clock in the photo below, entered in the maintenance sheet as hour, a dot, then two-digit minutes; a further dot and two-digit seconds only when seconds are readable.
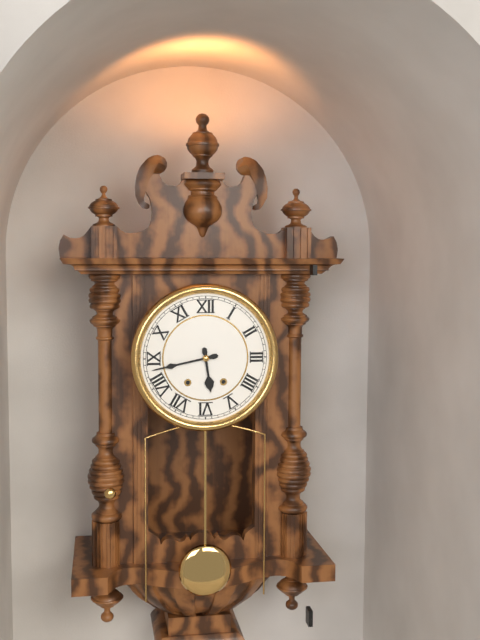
5.43
